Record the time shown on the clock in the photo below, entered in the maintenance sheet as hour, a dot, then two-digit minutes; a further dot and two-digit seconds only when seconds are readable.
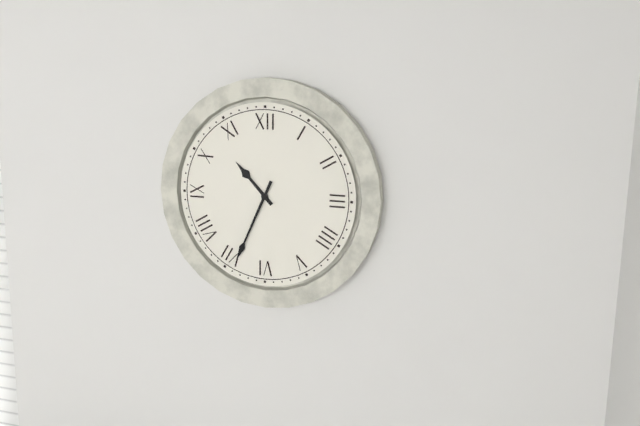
10.34
